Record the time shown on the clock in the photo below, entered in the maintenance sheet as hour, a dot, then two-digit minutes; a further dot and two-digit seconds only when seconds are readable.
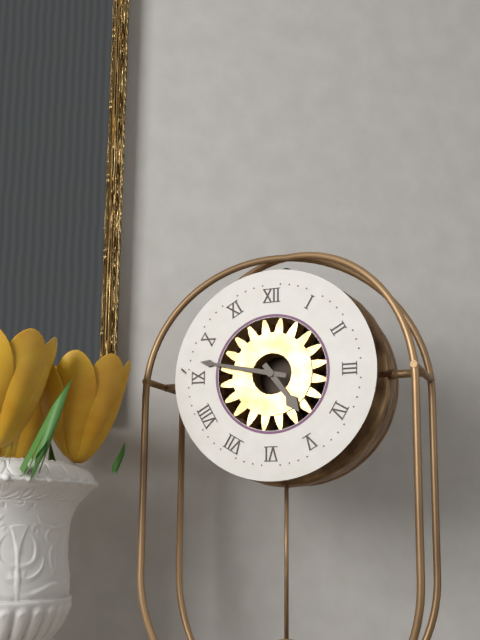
4.47
